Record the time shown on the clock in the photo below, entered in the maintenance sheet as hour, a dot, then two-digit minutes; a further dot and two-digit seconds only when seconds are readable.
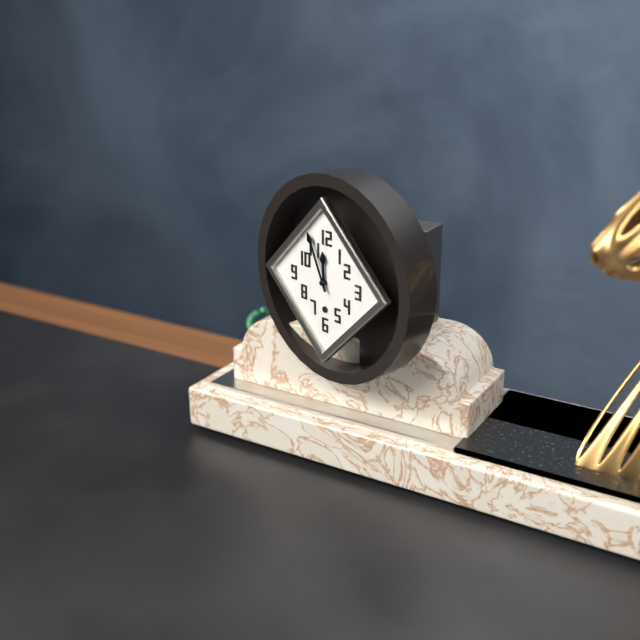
11.56
